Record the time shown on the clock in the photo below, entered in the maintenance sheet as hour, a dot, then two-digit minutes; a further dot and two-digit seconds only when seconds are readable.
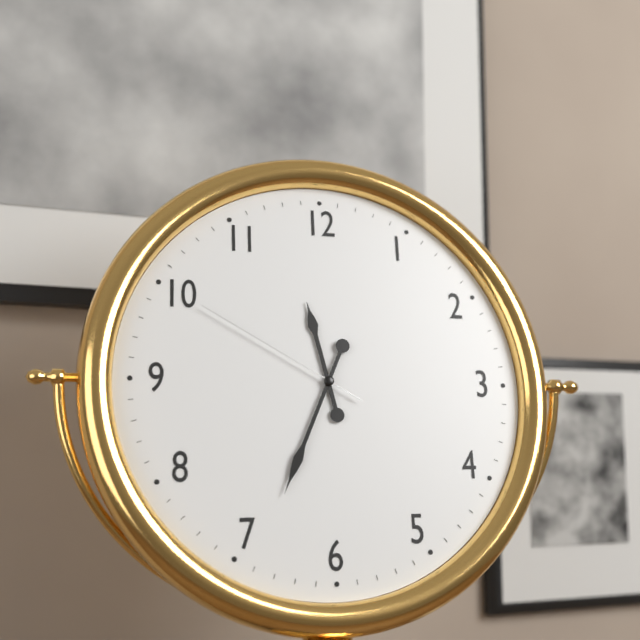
11.34.50
